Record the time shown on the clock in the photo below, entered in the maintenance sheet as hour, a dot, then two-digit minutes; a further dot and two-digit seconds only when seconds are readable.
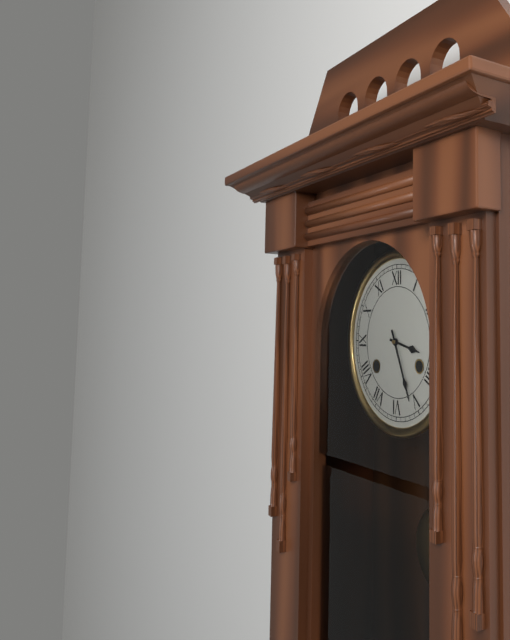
3.26
